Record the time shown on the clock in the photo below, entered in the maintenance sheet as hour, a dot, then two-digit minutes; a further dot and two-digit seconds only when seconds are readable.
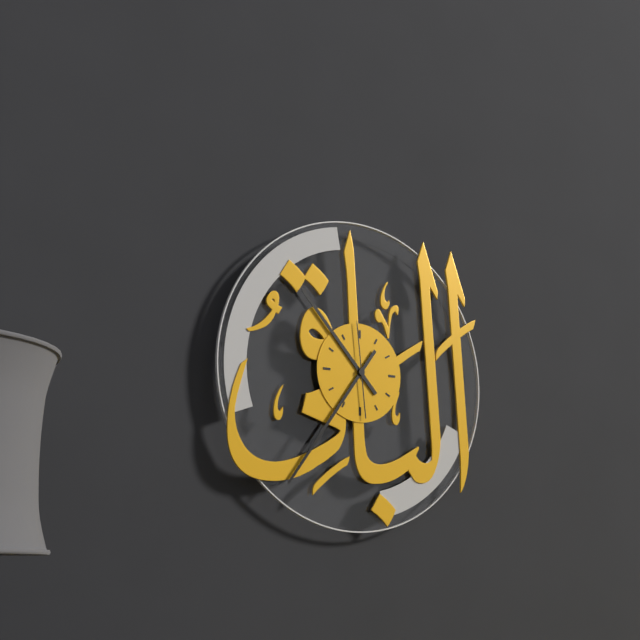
10.36.59
